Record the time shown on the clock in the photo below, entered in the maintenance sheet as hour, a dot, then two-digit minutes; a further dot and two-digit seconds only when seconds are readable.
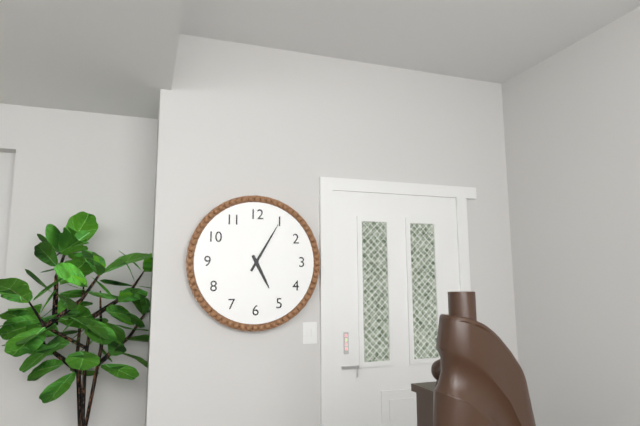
5.05
